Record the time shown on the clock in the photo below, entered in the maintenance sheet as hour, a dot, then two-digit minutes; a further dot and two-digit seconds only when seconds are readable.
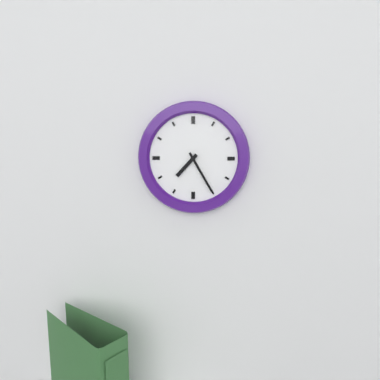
7.25
